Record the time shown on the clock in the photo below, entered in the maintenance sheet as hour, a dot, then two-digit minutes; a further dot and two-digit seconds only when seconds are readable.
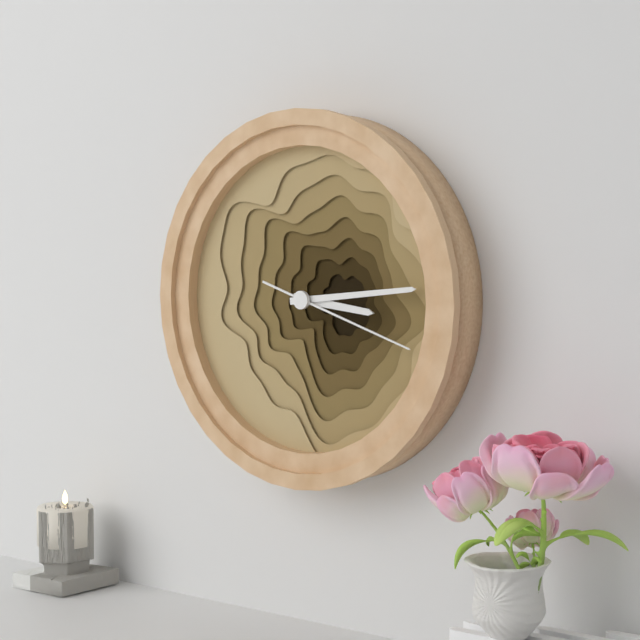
3.14.18
